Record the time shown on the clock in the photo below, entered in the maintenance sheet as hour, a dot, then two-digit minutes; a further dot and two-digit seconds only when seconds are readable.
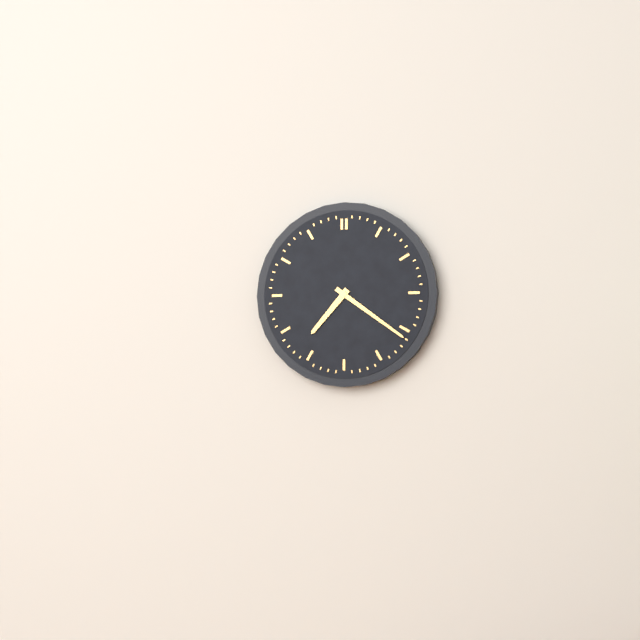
7.21
